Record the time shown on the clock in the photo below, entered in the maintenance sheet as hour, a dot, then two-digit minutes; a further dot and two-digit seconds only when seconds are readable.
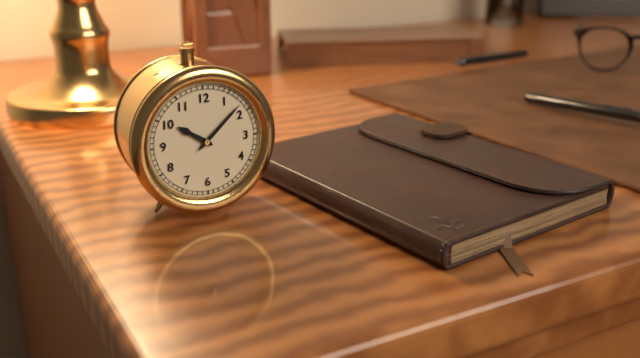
10.08
